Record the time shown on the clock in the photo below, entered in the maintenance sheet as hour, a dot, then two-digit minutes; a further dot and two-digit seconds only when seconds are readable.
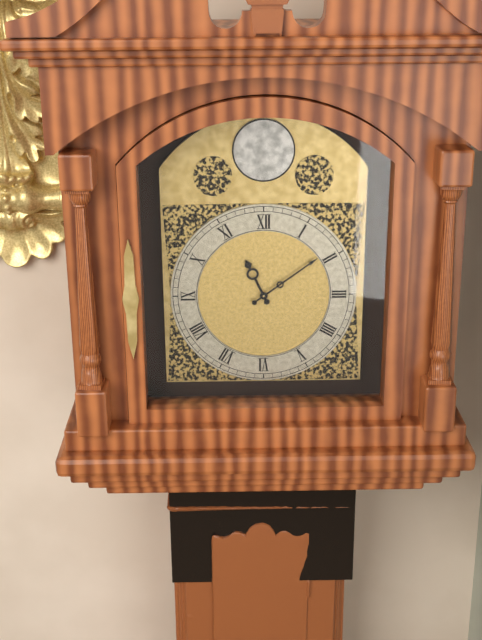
11.09
